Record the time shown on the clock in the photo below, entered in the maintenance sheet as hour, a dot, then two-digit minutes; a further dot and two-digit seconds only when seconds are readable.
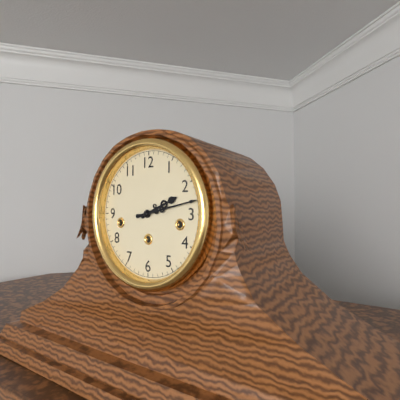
2.13
